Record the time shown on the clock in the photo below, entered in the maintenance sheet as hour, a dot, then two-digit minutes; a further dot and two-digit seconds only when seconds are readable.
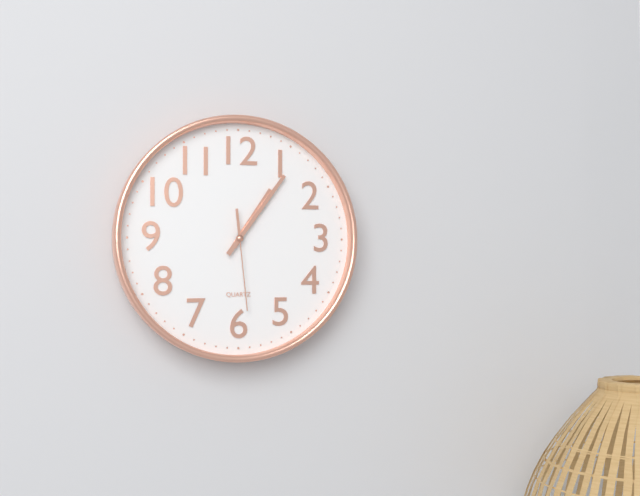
1.06.29
